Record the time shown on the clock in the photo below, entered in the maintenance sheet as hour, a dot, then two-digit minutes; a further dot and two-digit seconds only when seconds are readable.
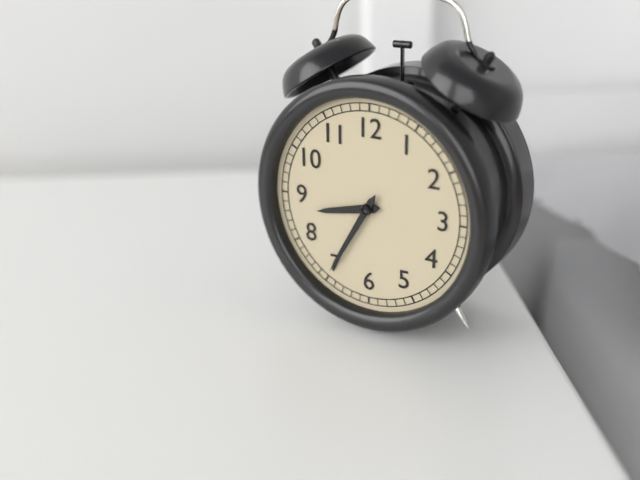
8.35
